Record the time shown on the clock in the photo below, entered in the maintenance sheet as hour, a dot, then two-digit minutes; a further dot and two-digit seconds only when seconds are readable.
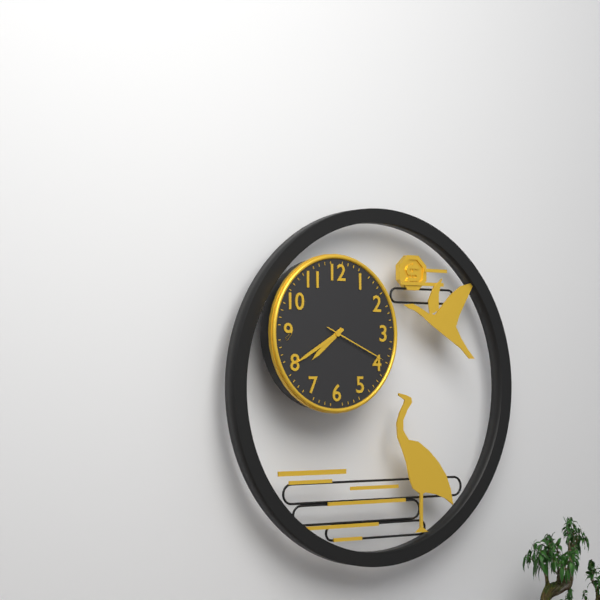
7.40.19
